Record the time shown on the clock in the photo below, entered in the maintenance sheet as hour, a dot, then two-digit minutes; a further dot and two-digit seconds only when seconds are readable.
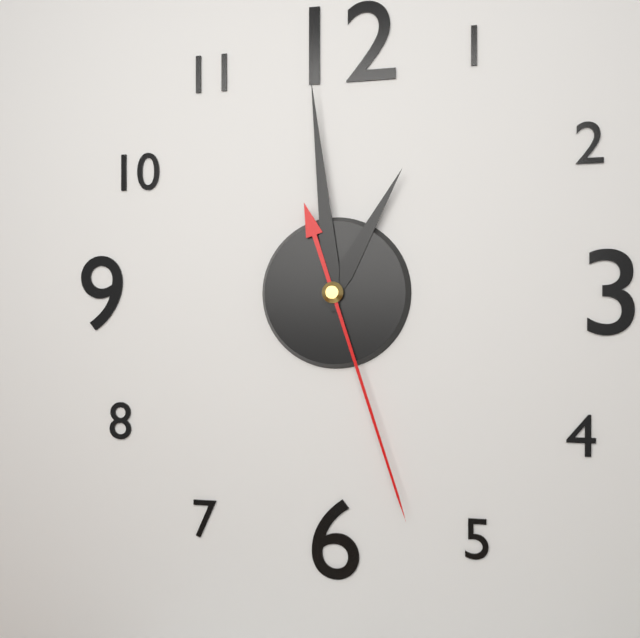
12.59.27
